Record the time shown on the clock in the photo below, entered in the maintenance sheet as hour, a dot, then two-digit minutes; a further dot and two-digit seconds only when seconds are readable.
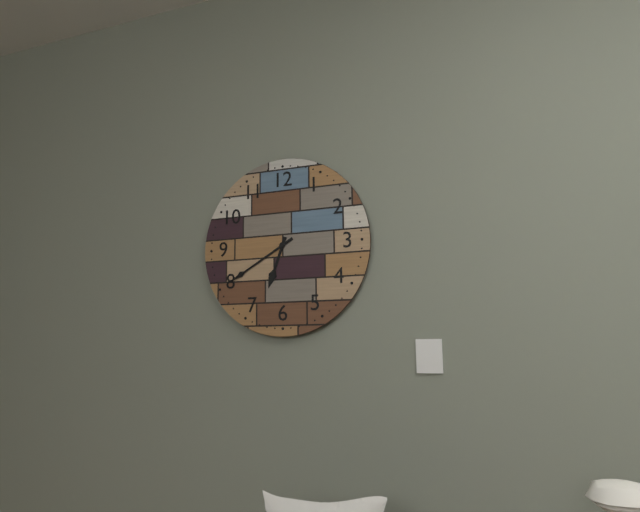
6.40
